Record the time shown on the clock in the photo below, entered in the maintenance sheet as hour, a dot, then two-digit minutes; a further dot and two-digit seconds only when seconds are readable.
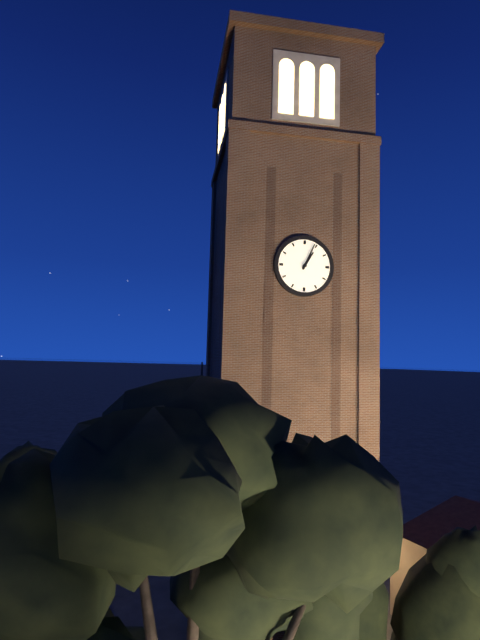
1.04
